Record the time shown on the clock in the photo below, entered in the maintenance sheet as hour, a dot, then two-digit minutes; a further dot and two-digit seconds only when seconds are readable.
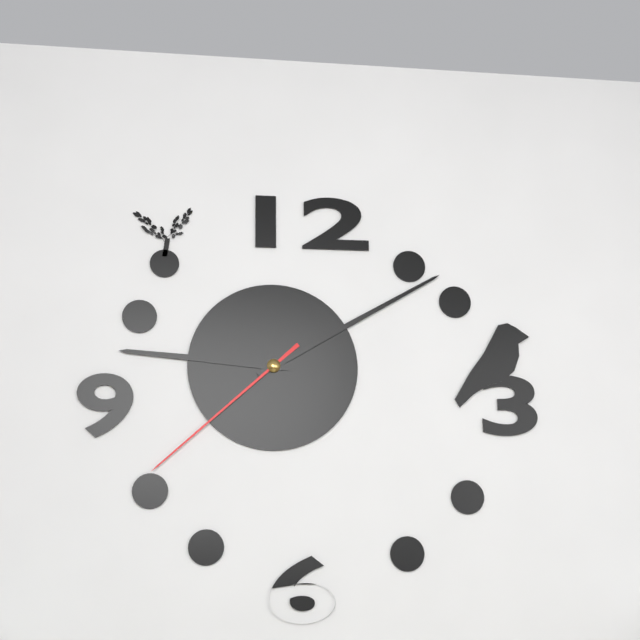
9.10.38
